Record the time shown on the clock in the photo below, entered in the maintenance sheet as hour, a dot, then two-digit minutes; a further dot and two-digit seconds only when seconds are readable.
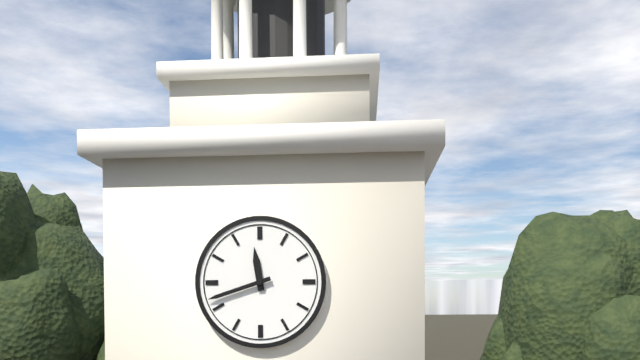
11.42
